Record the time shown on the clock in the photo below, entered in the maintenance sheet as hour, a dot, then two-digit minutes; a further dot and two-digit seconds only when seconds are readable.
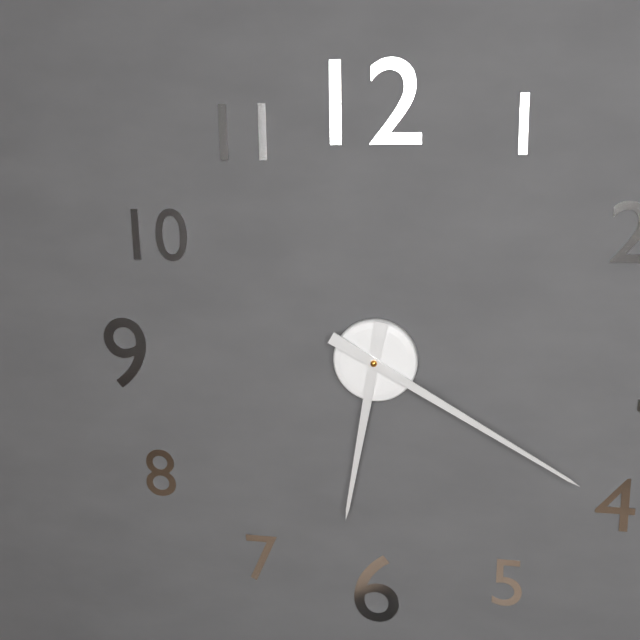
6.20
